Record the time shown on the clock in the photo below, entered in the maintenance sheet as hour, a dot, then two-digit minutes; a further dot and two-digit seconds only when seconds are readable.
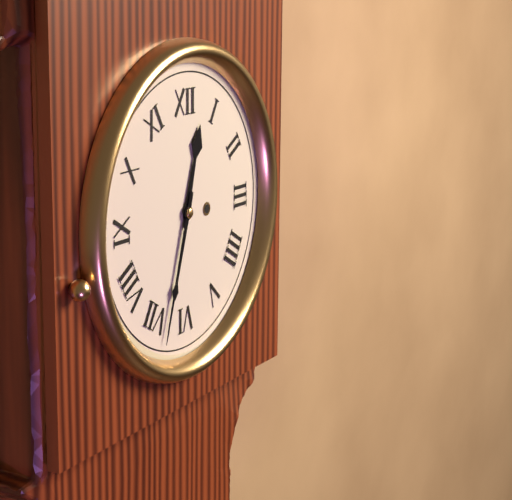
12.33
